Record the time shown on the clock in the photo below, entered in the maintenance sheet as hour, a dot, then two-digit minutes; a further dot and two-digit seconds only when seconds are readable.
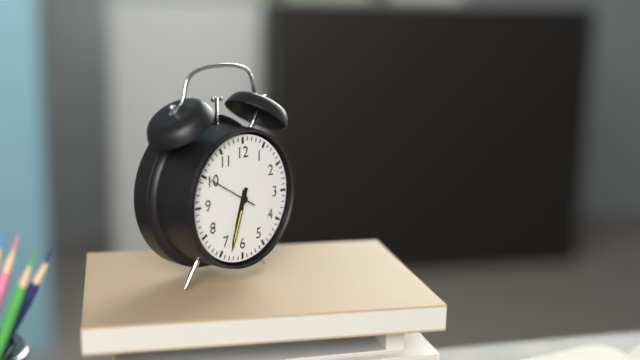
6.33.50
